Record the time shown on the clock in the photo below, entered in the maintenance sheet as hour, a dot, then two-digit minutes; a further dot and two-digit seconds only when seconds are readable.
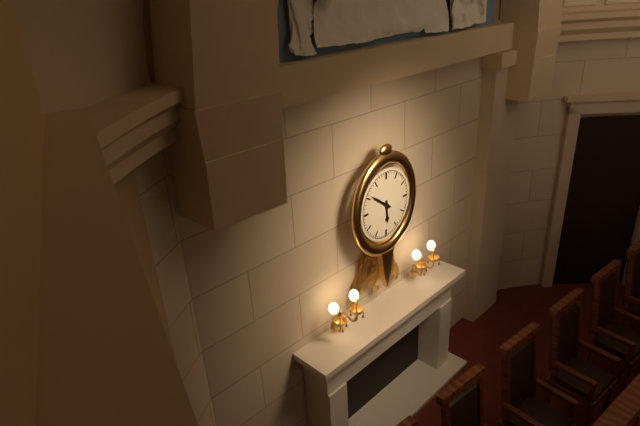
5.51
